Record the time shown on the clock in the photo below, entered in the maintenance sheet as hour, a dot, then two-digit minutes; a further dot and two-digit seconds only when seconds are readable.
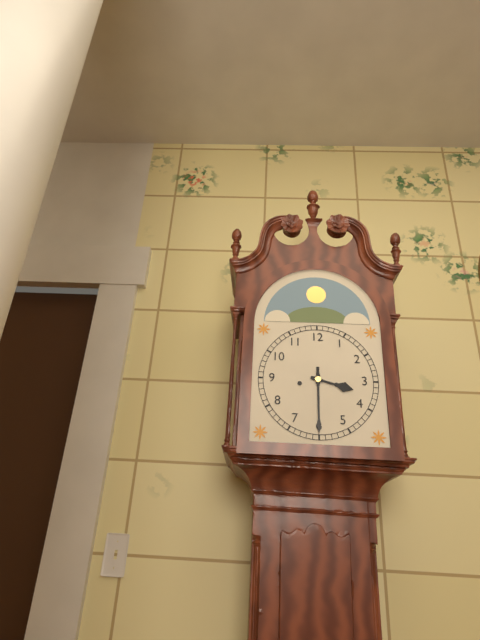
3.30
